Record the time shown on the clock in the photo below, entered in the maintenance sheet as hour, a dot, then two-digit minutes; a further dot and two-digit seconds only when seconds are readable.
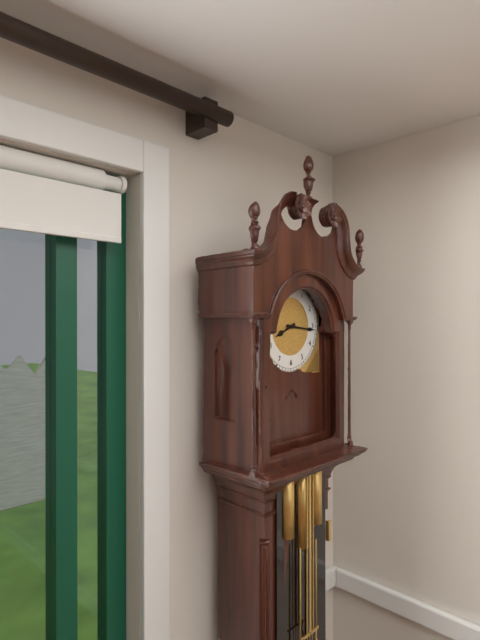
8.16
